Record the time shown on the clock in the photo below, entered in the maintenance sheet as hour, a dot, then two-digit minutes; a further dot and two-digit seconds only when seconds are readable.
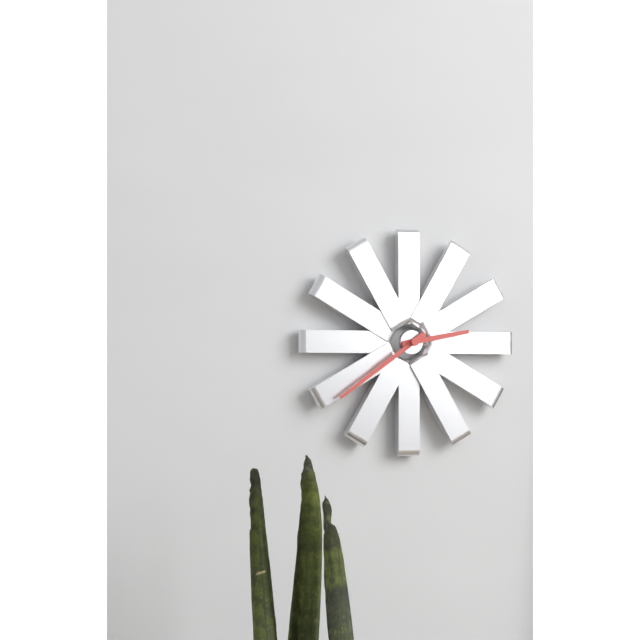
2.39
